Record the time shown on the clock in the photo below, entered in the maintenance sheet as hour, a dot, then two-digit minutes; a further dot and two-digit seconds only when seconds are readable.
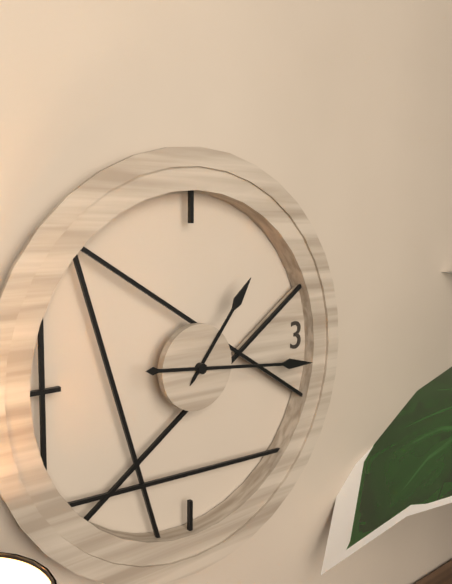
1.16
